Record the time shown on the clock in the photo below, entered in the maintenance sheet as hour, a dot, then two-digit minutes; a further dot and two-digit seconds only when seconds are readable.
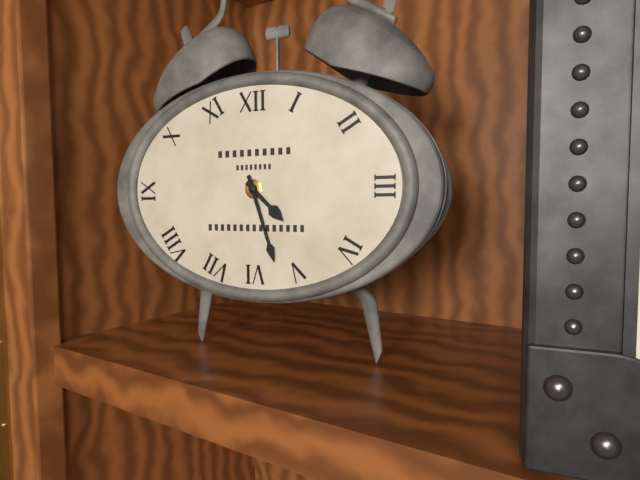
4.27
